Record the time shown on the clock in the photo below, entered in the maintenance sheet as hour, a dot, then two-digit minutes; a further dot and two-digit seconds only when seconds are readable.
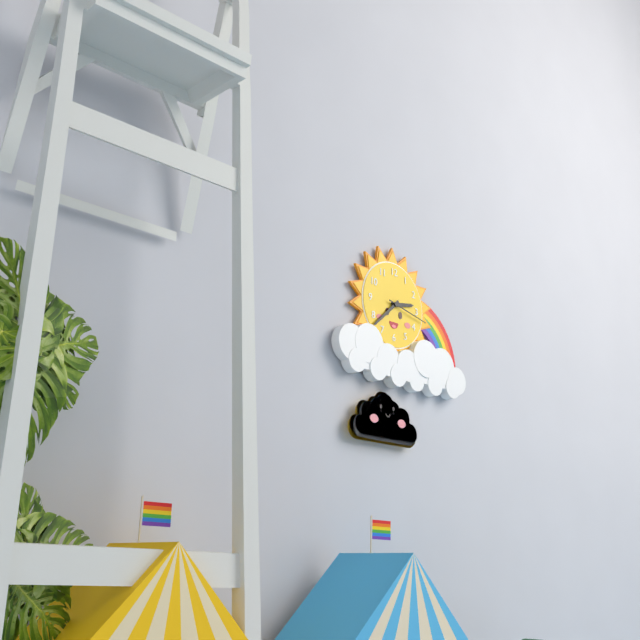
2.38
